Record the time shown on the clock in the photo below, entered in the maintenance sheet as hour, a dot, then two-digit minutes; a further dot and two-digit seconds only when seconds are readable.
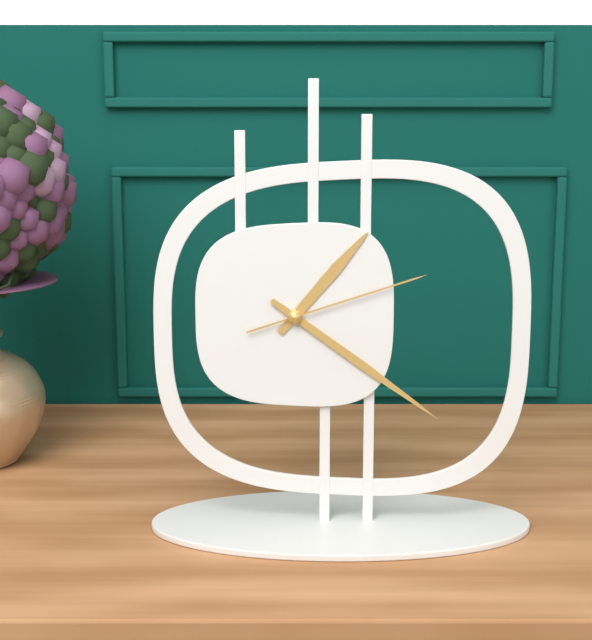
1.21.12
